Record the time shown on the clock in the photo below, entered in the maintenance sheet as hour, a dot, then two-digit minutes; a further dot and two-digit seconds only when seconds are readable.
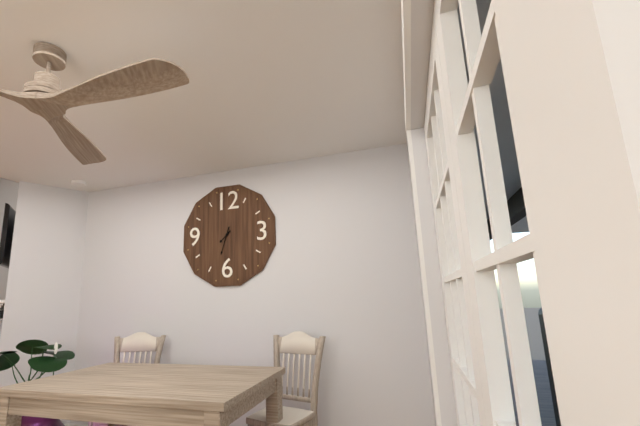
7.33
